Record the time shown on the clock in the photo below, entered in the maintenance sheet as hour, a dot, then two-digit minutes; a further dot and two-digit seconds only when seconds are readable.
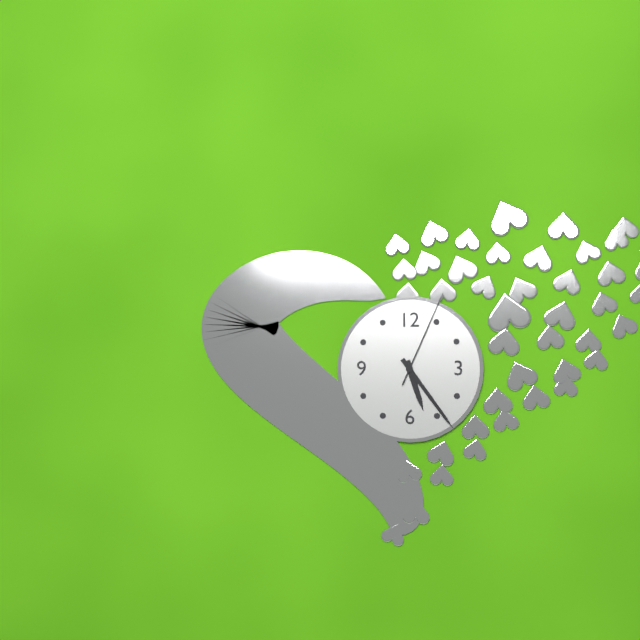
5.24.04
